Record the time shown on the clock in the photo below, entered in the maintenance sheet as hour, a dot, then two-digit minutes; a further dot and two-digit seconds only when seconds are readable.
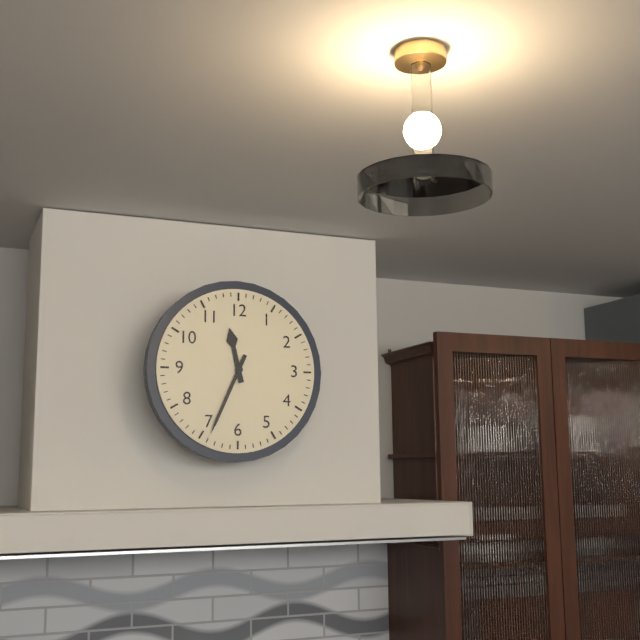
11.34
